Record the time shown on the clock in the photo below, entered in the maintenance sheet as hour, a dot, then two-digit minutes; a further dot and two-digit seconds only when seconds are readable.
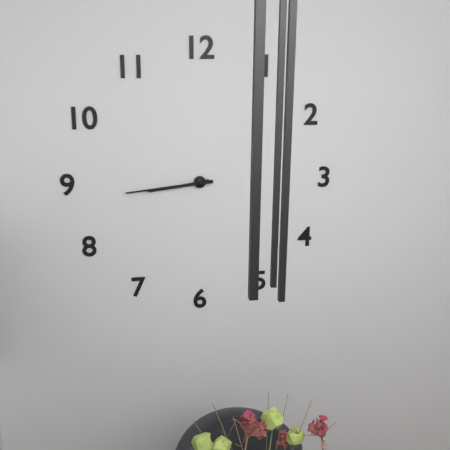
8.44
